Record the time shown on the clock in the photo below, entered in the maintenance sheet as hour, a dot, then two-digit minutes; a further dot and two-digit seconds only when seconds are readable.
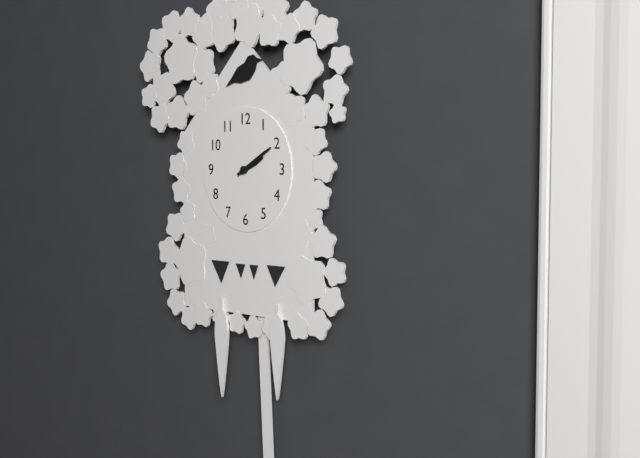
2.10
